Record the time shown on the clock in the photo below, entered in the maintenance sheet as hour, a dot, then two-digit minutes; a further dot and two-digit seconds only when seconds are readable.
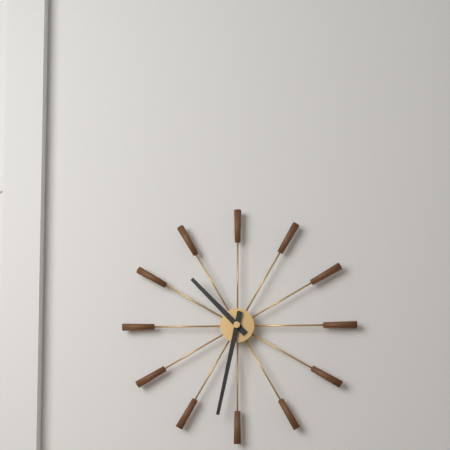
10.32
